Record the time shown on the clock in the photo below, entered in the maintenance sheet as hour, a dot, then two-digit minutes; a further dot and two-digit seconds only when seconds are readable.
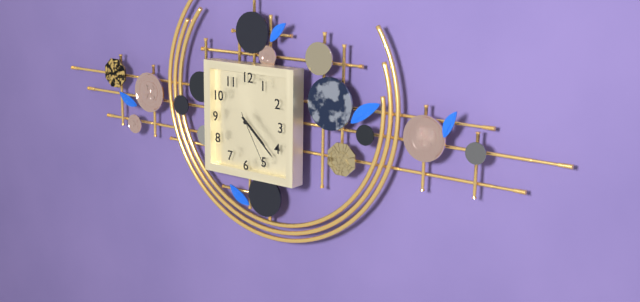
4.22.25
